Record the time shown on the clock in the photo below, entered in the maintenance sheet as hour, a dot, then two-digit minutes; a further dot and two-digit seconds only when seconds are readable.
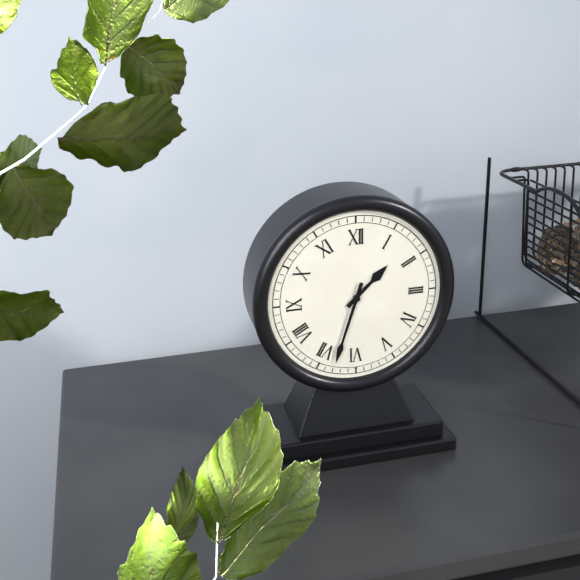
1.33
